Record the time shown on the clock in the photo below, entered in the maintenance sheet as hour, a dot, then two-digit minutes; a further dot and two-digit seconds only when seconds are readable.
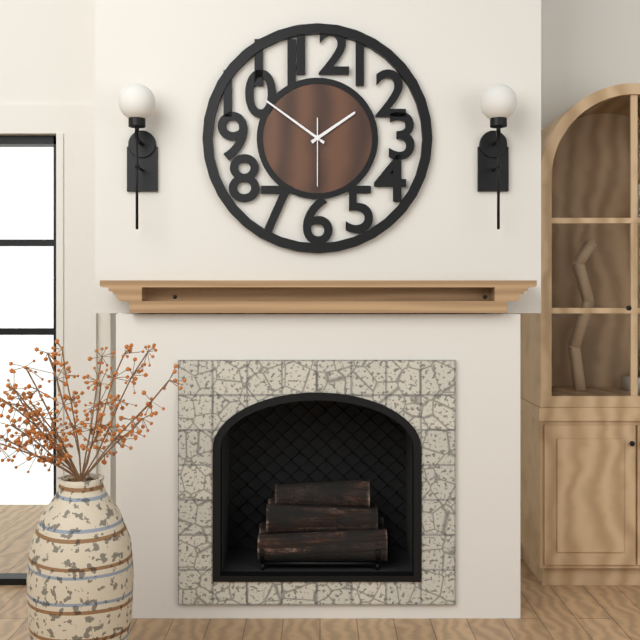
1.51.30
